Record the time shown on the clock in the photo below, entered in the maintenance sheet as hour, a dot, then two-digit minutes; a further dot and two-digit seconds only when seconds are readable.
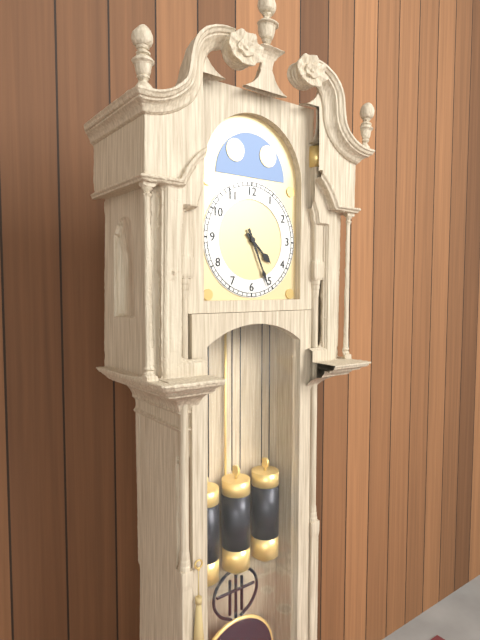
4.26
